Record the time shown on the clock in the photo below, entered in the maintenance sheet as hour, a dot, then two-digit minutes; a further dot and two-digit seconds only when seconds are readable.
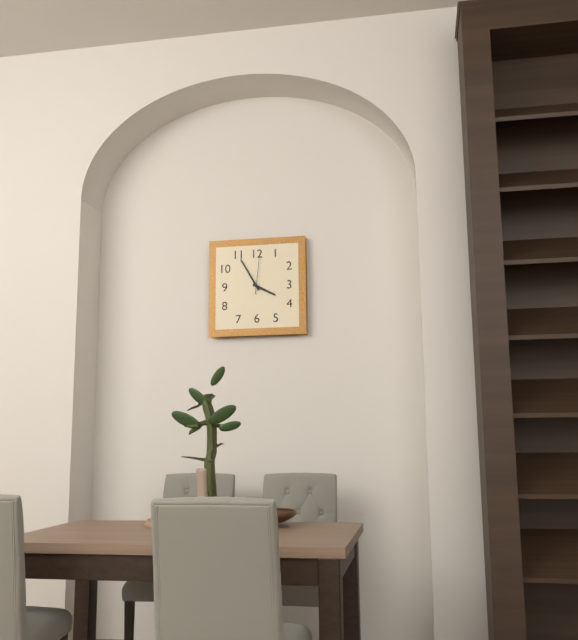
3.55
